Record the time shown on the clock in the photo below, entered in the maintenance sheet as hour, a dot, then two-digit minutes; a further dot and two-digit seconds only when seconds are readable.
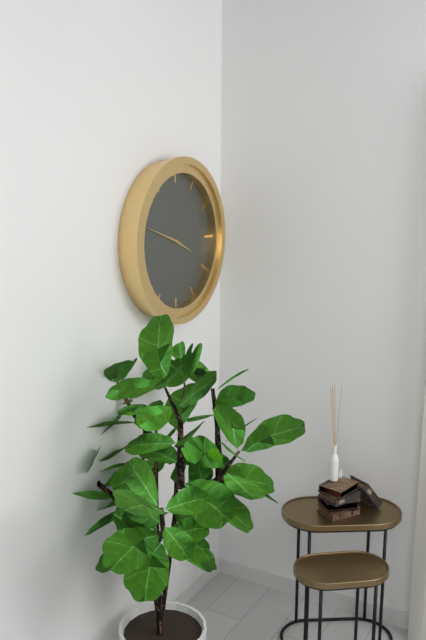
3.48
